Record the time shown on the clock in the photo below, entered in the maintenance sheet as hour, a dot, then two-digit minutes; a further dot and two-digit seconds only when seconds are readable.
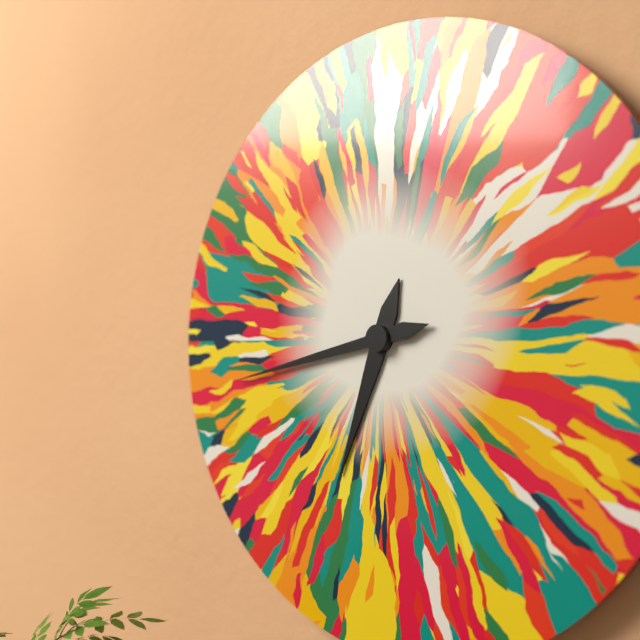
6.43
